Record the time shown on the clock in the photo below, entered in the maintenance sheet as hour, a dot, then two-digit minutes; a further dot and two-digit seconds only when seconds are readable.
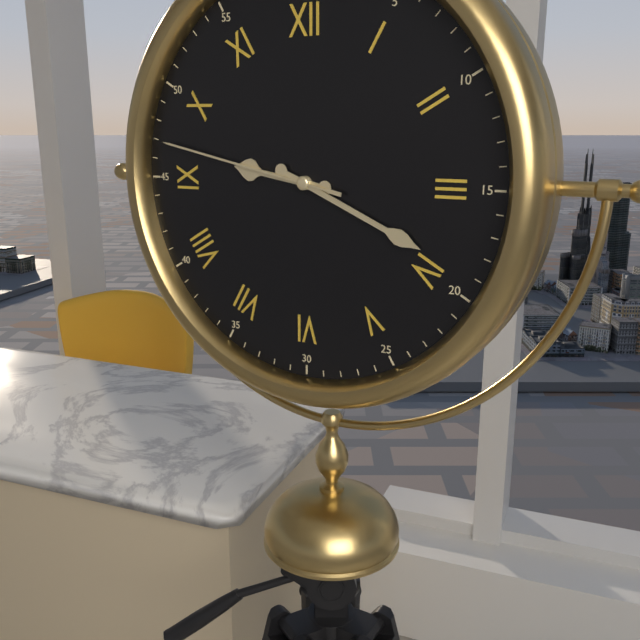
9.19.47
